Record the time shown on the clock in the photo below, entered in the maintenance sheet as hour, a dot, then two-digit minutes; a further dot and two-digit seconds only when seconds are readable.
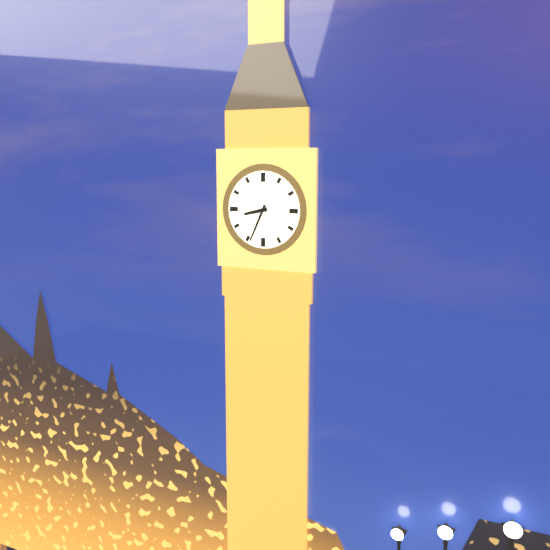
8.34
